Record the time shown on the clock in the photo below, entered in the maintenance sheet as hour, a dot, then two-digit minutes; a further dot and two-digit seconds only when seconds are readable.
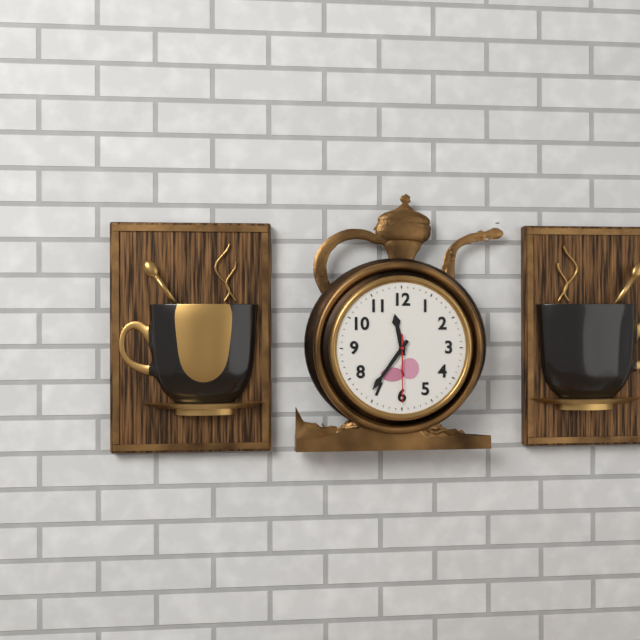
11.36.30
